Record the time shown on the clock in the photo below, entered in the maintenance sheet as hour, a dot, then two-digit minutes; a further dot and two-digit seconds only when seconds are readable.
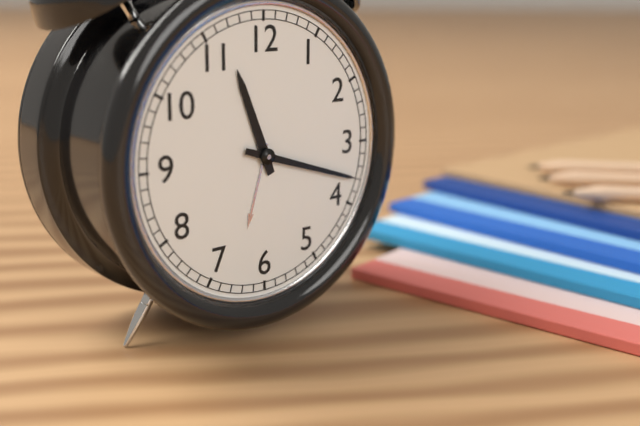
11.18
